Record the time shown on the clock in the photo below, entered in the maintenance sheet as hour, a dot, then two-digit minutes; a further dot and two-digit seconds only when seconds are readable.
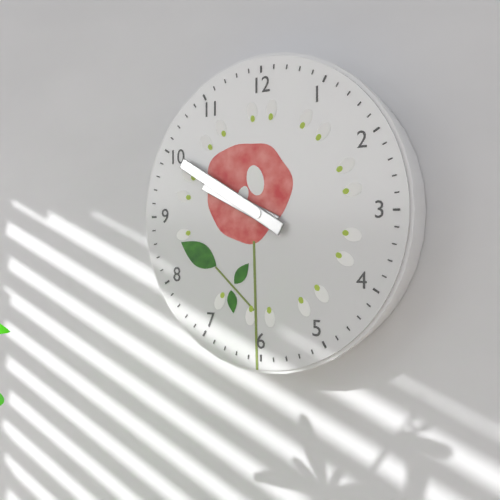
9.50
